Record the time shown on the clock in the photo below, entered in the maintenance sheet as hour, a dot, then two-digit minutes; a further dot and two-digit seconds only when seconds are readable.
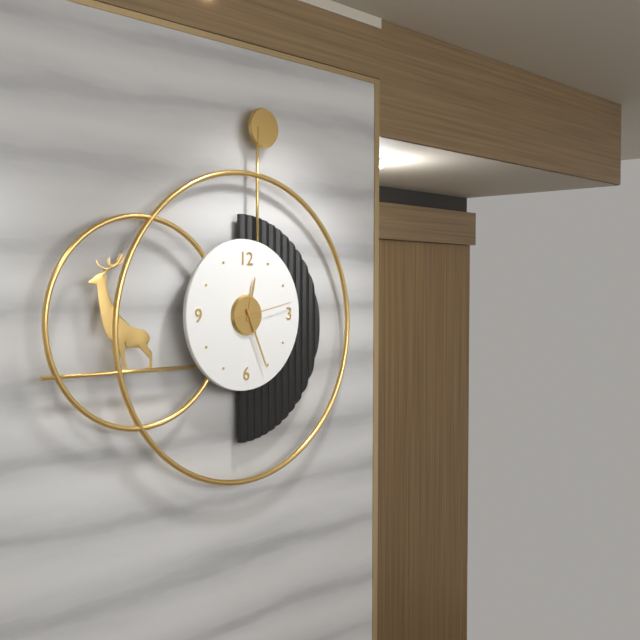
12.26.13
